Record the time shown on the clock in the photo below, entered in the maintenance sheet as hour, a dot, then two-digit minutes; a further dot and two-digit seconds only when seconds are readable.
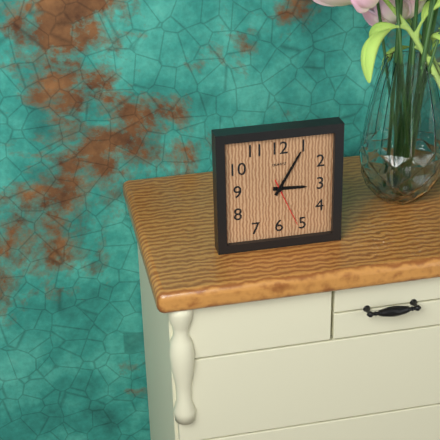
3.05.26
